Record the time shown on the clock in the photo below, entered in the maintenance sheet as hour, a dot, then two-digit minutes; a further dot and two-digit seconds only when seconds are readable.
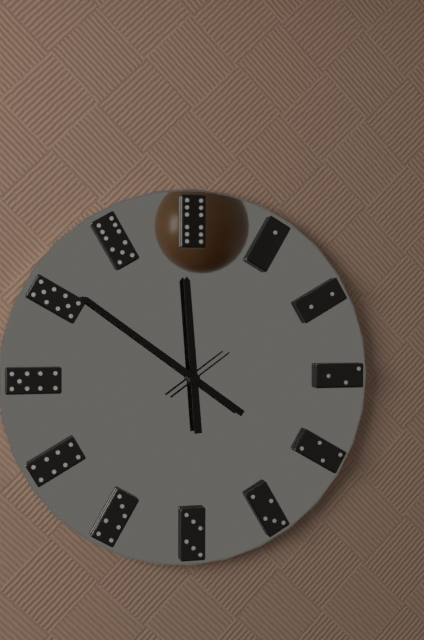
11.51.09
